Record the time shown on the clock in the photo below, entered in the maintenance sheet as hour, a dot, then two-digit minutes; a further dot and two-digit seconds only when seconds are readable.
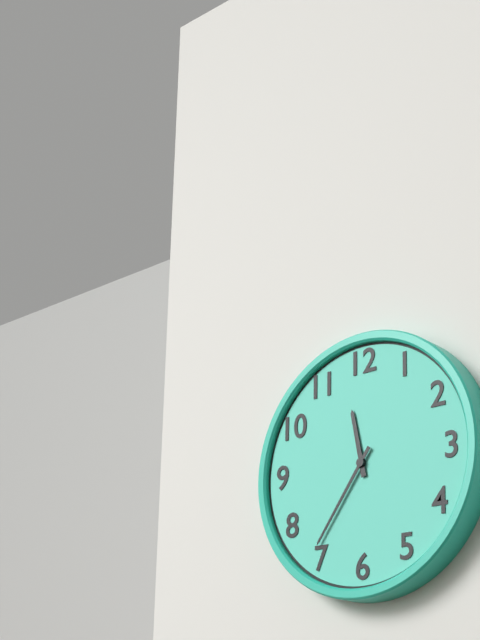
11.36
